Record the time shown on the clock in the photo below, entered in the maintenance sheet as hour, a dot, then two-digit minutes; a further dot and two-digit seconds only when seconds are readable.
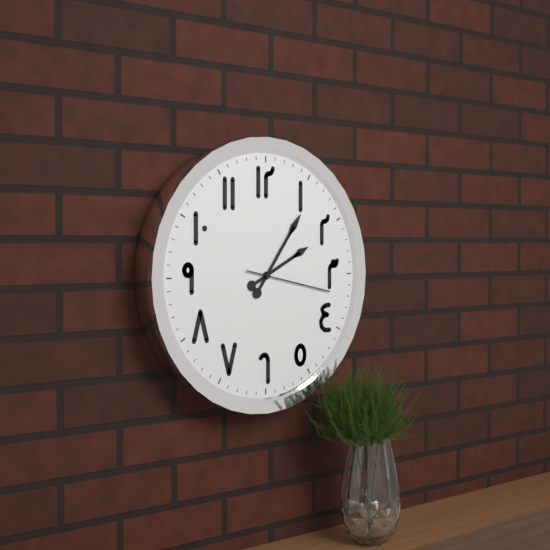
2.06.17
